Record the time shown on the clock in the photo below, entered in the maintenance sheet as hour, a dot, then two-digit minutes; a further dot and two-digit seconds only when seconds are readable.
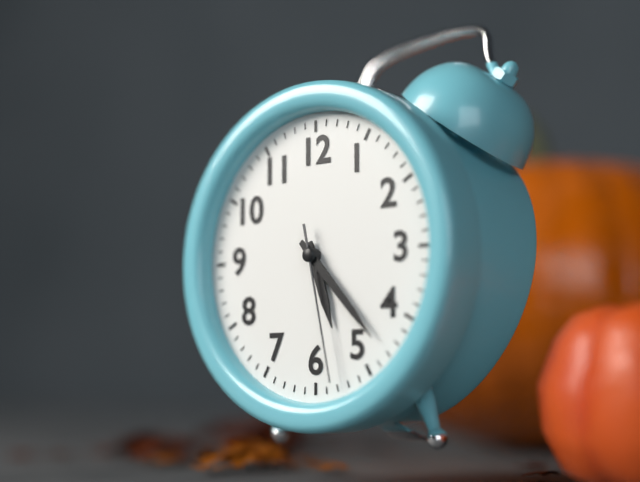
5.23.28
